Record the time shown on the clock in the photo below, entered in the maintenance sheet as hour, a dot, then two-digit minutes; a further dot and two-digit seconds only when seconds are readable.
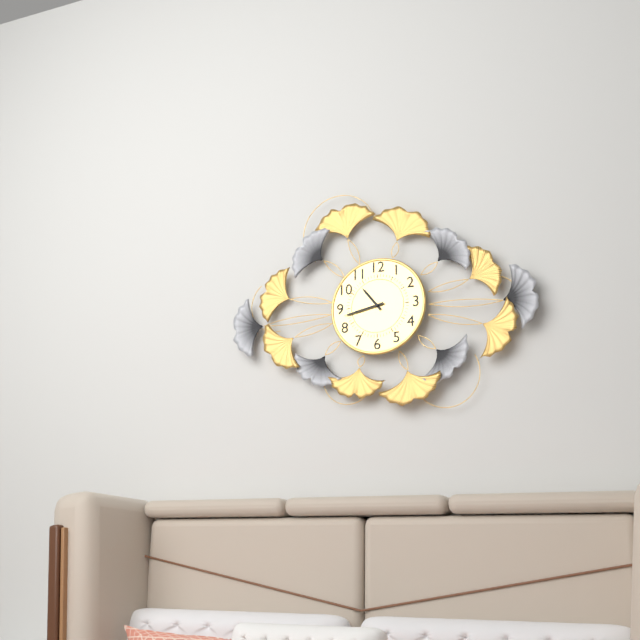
10.43
